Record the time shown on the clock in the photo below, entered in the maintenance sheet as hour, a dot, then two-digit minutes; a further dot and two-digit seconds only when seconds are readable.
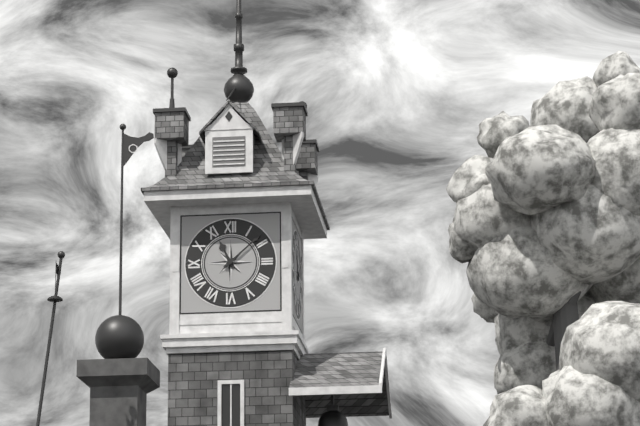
11.08
